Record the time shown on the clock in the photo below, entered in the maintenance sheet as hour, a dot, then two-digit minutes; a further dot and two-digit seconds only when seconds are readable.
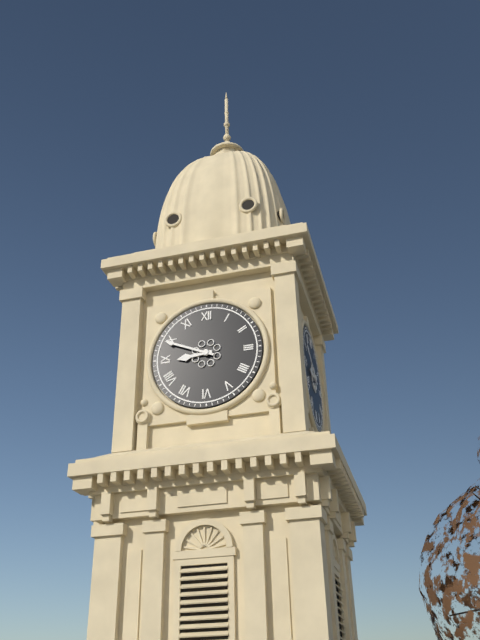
8.49
